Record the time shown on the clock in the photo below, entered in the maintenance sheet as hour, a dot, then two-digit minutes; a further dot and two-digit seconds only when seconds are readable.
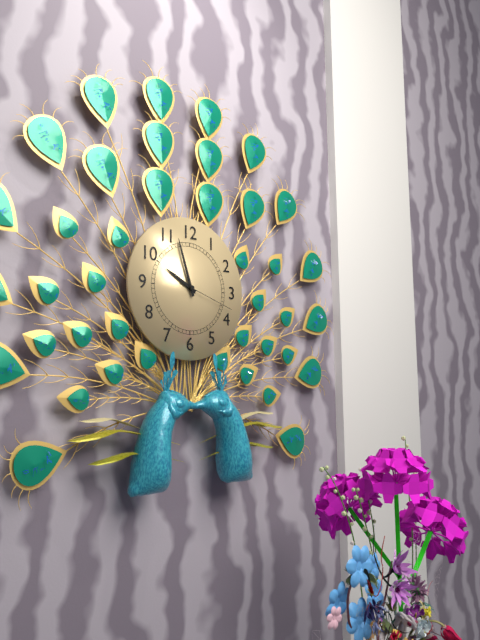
9.57.18
